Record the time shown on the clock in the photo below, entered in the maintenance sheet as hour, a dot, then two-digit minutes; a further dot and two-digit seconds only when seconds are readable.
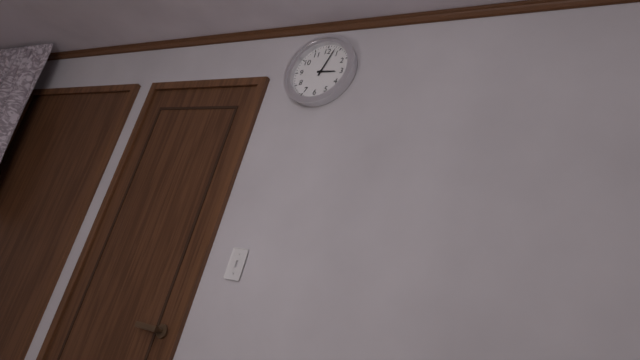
3.03
